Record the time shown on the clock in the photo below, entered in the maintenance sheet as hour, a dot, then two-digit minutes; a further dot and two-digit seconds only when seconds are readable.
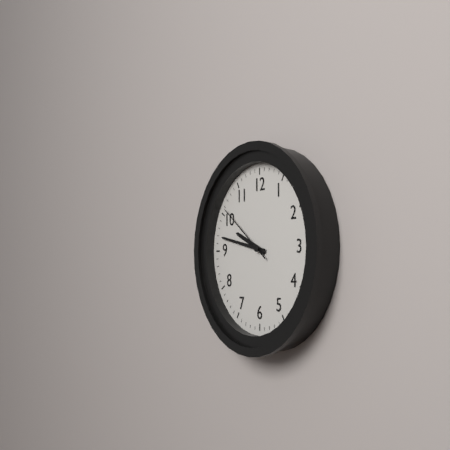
9.47.51
